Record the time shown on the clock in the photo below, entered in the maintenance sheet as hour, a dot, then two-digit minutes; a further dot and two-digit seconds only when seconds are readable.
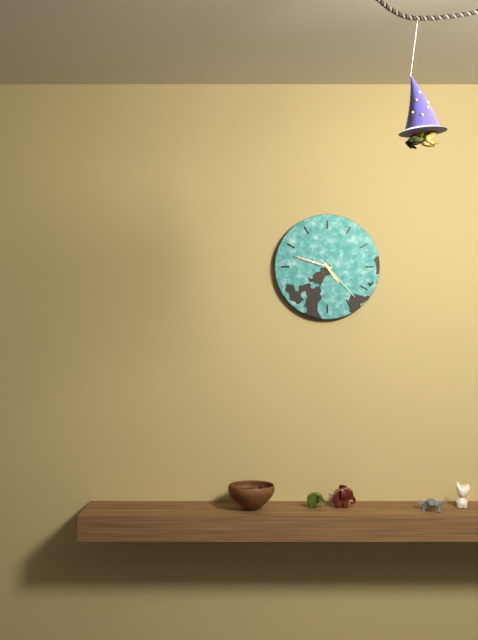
4.48.23
